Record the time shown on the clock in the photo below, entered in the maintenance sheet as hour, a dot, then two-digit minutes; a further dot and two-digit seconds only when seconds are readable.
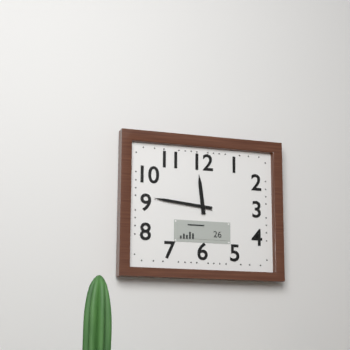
11.46
